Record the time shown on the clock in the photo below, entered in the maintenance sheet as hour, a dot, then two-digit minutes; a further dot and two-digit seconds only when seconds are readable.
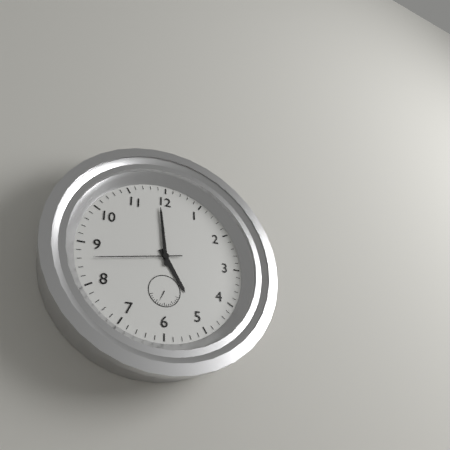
4.59.43
